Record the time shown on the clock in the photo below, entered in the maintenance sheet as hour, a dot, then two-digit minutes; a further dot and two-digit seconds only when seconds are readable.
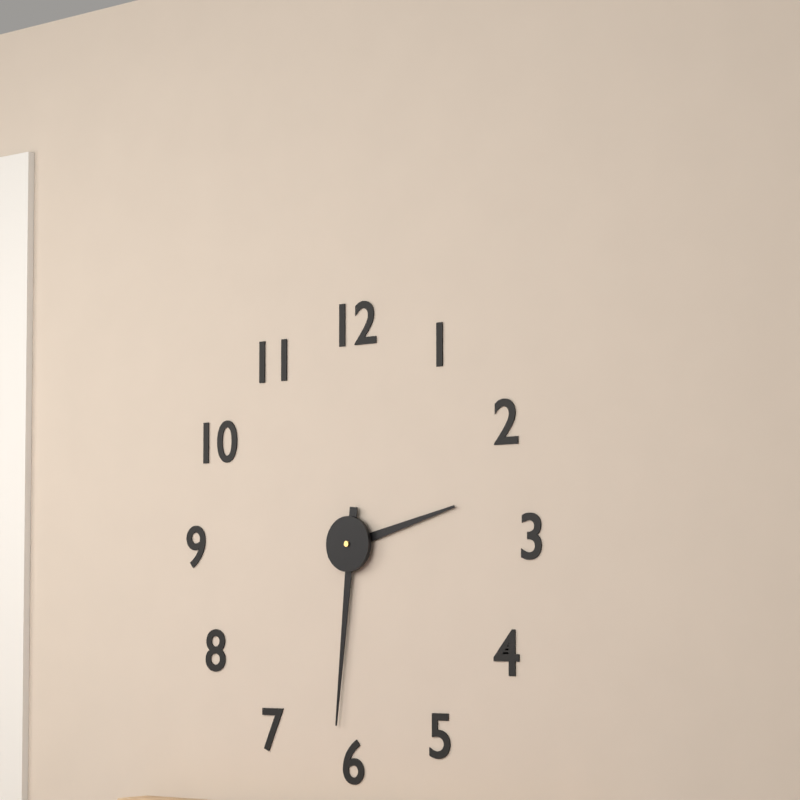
2.31
